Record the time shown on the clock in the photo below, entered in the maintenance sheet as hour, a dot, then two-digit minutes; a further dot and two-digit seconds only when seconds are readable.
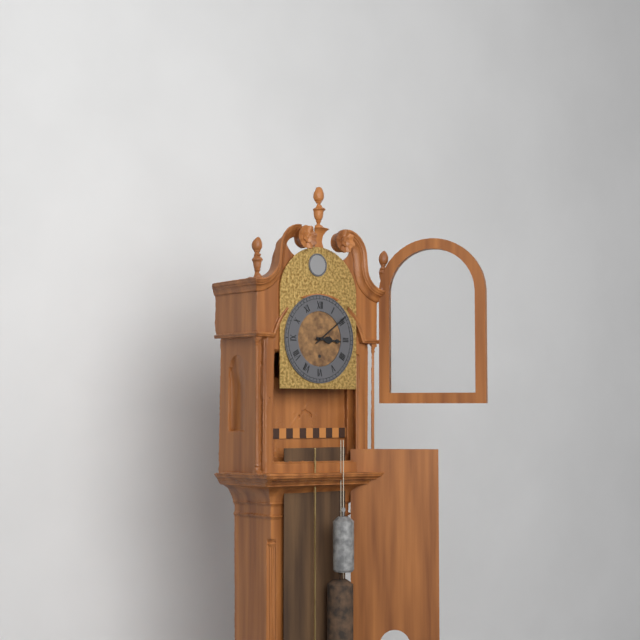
3.09
